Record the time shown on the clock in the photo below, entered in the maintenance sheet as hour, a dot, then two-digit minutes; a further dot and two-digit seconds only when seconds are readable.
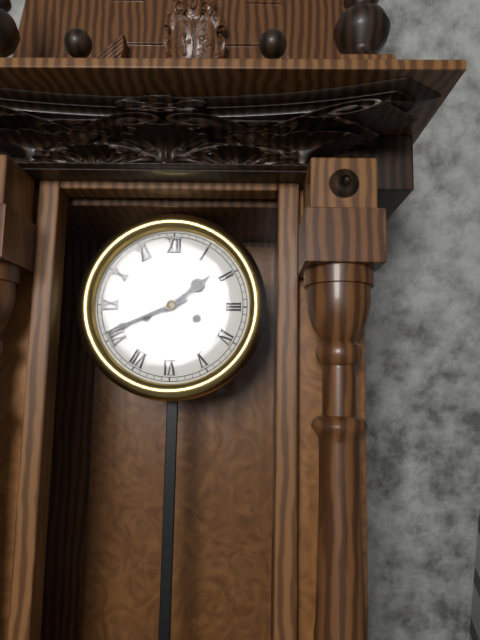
1.41
